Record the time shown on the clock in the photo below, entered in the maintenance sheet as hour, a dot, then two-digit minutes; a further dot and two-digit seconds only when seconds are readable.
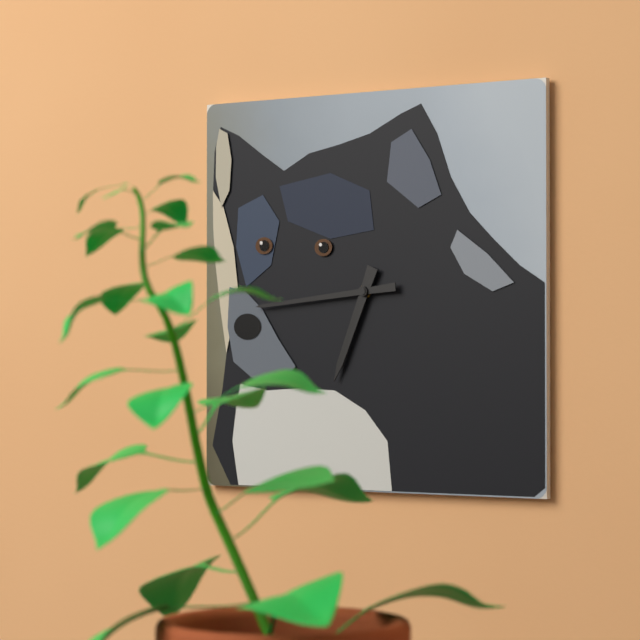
6.44
